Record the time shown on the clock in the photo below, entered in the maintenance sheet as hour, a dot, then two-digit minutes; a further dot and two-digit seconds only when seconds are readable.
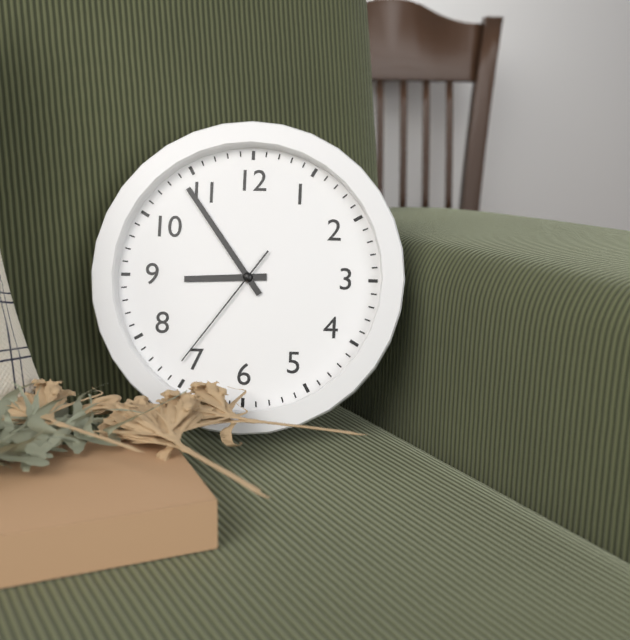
8.54.36
